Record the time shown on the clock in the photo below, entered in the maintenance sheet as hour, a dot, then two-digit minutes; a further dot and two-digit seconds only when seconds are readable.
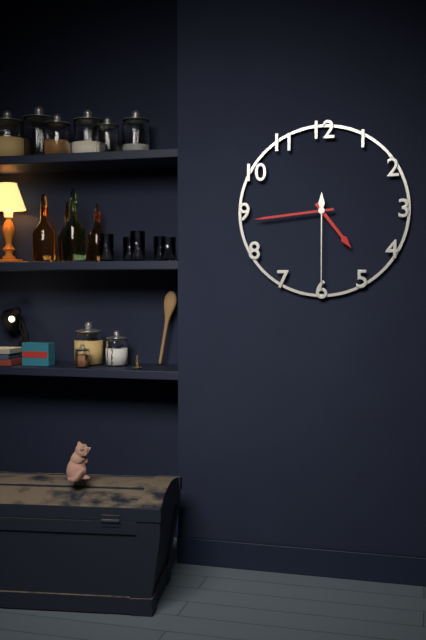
4.44.30
